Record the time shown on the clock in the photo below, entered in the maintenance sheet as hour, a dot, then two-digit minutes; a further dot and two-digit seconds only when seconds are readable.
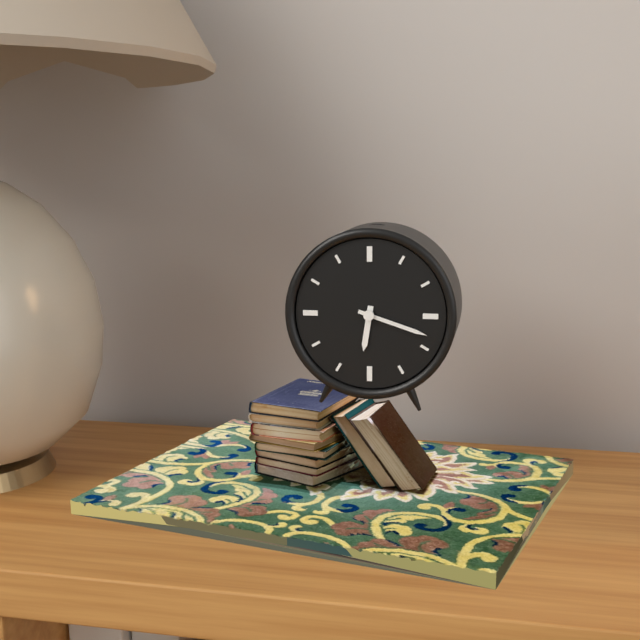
6.18
